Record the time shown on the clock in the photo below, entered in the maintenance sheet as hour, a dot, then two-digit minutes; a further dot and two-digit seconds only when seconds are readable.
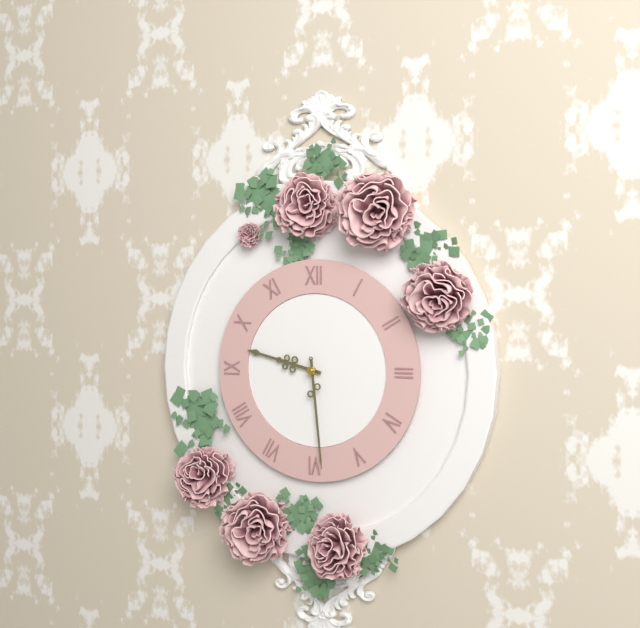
9.29
